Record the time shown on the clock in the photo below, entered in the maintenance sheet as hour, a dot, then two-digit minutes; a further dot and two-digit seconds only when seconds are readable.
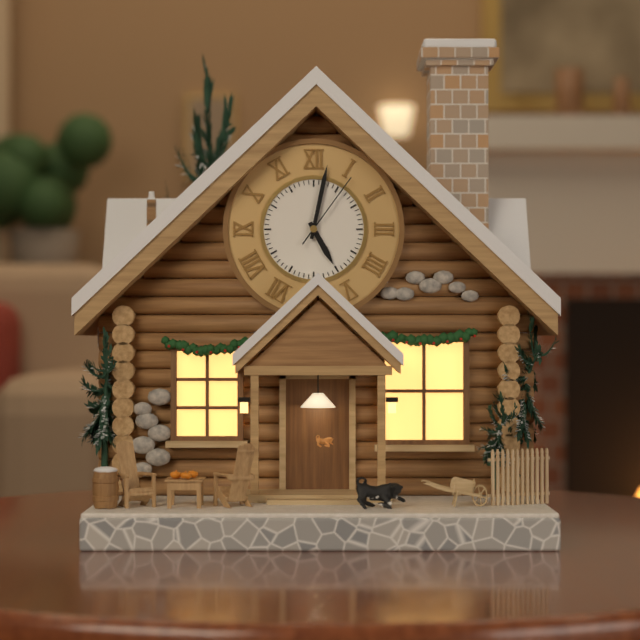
5.02.06
